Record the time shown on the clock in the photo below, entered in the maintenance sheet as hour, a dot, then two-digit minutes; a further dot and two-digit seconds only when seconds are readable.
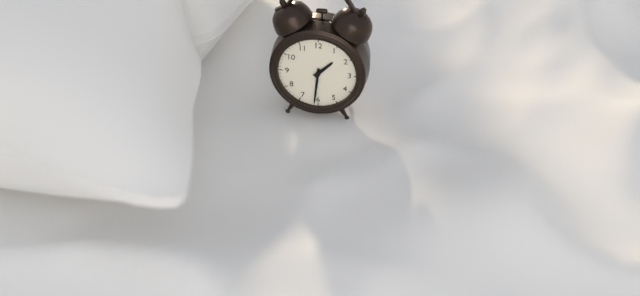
1.31
